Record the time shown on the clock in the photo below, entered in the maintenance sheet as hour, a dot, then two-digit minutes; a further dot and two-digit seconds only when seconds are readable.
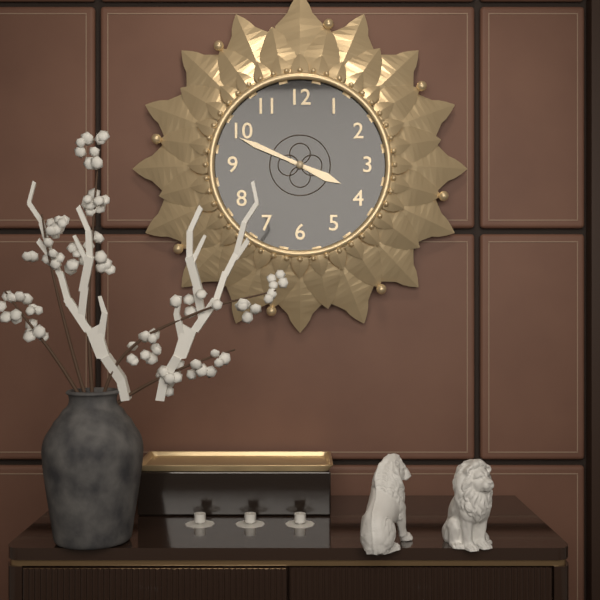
3.49
